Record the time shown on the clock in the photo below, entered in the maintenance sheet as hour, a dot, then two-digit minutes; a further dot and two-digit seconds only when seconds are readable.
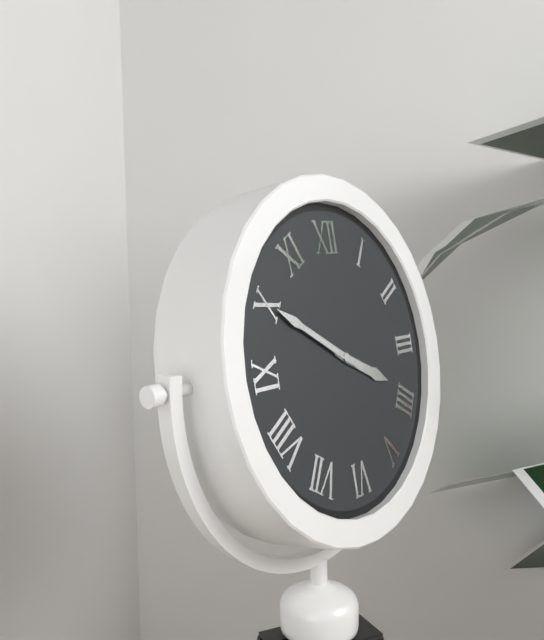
3.50
